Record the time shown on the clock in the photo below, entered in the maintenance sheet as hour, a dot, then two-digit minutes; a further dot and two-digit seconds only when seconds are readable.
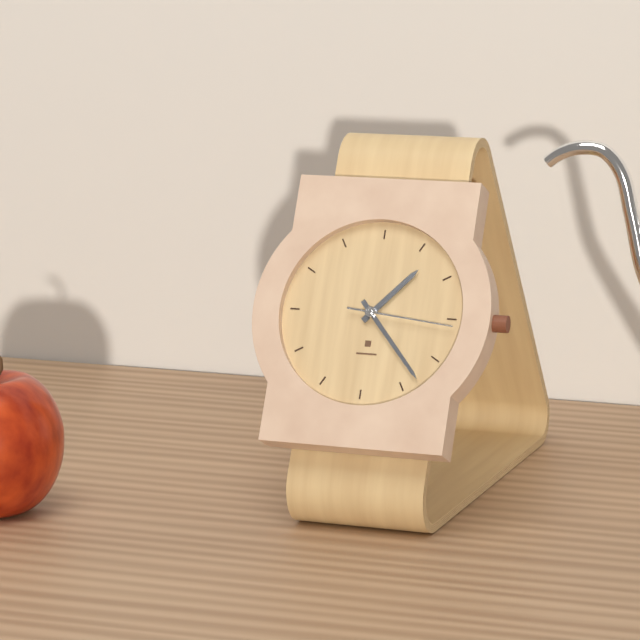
1.23.16
